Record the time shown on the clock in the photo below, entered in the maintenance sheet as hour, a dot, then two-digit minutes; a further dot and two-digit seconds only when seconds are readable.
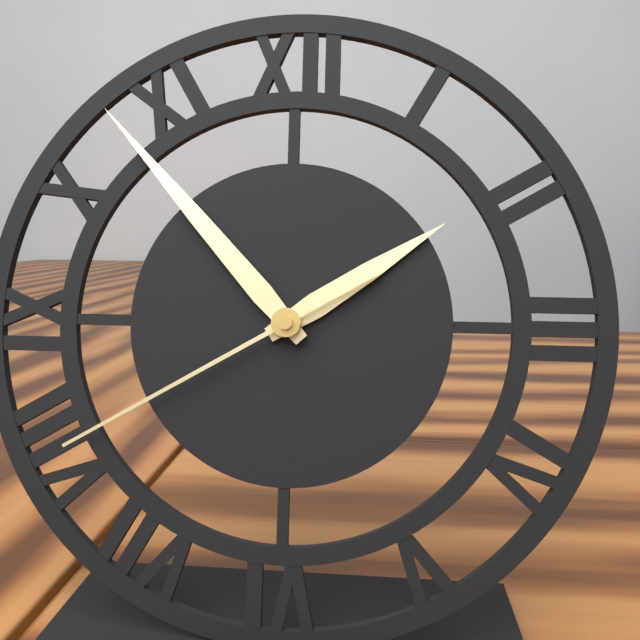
1.53.40
